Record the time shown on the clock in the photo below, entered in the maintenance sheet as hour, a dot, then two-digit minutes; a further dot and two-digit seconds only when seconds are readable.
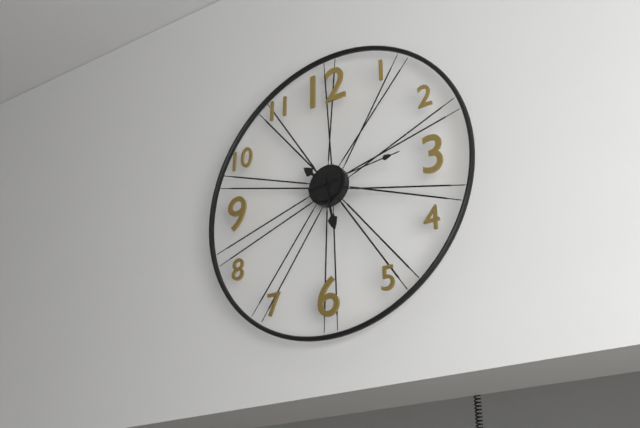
10.28.14
